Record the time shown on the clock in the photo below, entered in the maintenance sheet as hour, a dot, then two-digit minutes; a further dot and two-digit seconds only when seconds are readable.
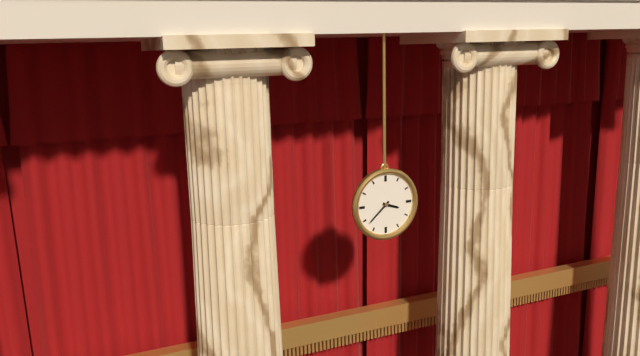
3.38
